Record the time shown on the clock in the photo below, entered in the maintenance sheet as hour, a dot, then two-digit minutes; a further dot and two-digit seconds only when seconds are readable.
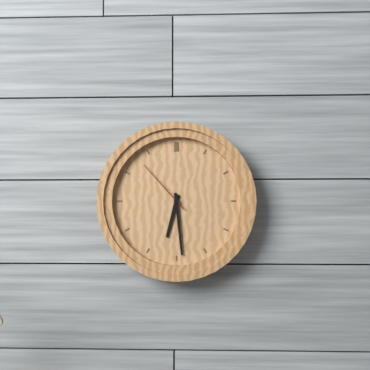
6.29.53
